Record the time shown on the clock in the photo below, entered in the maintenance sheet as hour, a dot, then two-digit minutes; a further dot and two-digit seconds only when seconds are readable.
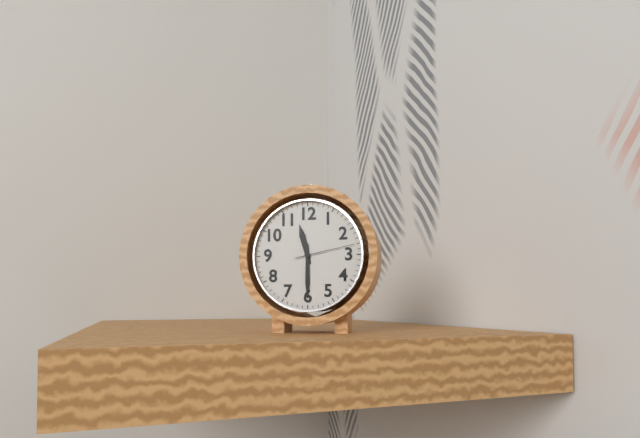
11.30.13
